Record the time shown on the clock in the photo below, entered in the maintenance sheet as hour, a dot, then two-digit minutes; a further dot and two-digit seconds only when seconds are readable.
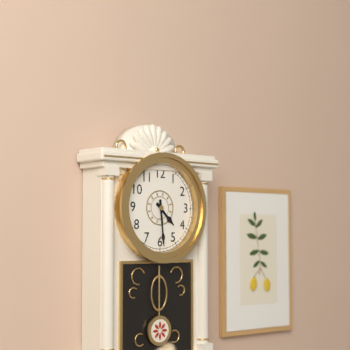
4.29
